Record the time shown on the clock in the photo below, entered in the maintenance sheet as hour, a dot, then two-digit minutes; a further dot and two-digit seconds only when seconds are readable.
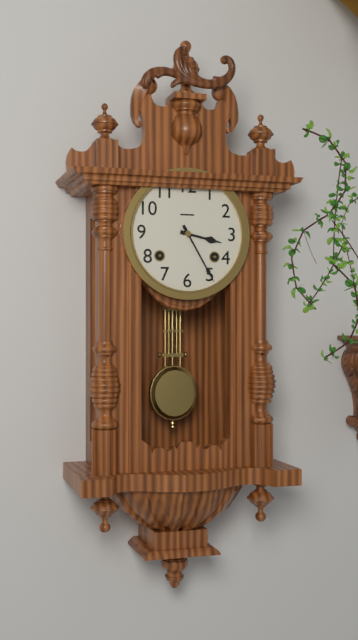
3.25
